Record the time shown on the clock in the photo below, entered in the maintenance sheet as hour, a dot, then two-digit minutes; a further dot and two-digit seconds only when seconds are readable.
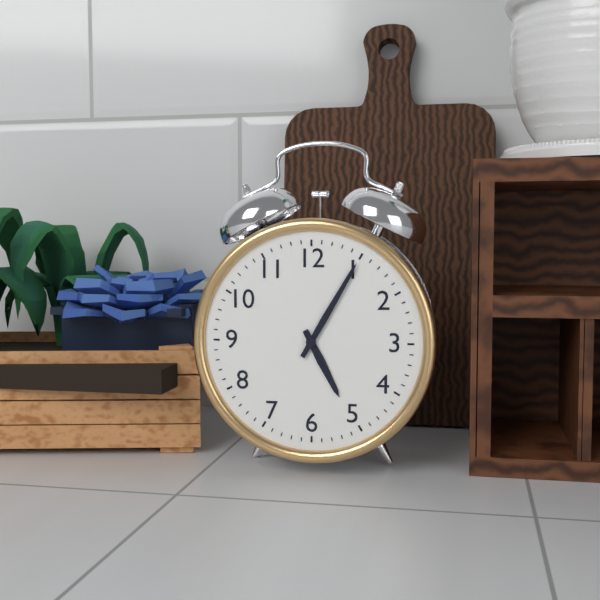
5.05
